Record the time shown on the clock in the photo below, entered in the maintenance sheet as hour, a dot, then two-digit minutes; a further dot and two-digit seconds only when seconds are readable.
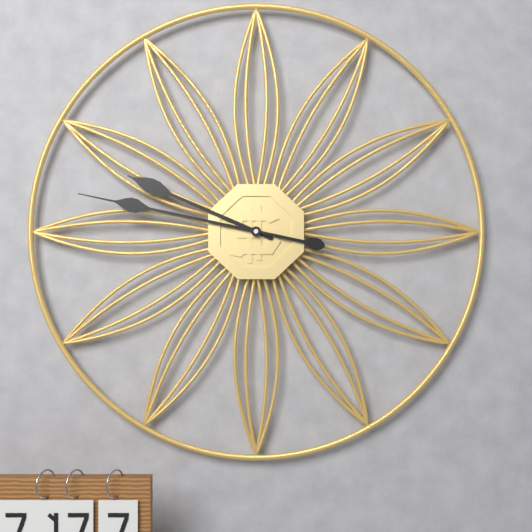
9.47
